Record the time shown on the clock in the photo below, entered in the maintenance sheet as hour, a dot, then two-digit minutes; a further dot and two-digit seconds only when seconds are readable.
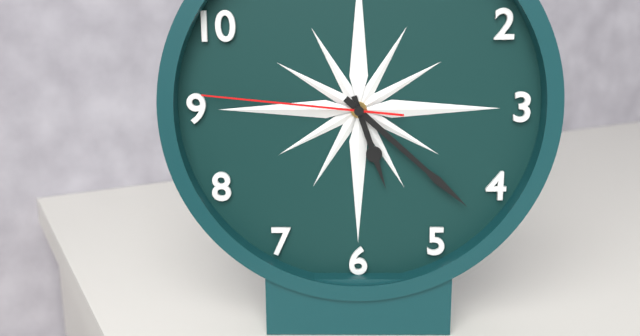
5.22.46
